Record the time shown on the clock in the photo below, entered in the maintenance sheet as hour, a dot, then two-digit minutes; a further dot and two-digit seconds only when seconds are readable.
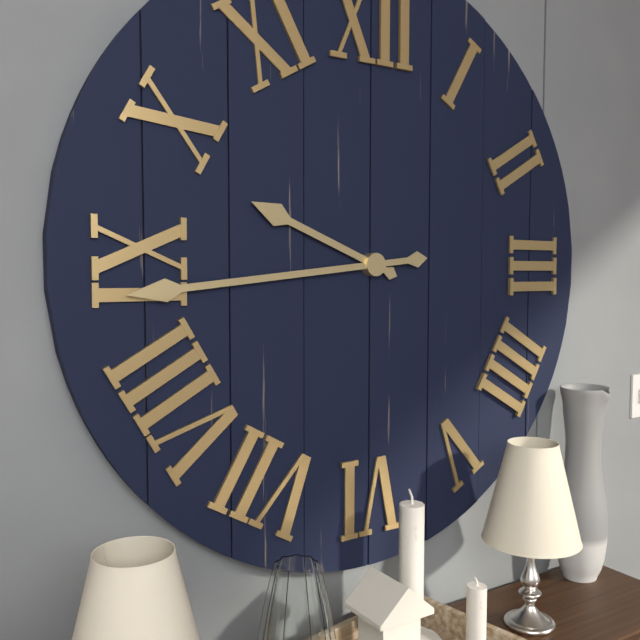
9.44
